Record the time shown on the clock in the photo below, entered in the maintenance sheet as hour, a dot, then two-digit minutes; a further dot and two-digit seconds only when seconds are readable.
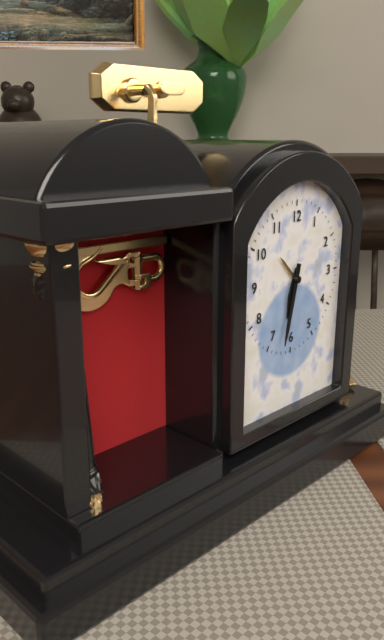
6.32
